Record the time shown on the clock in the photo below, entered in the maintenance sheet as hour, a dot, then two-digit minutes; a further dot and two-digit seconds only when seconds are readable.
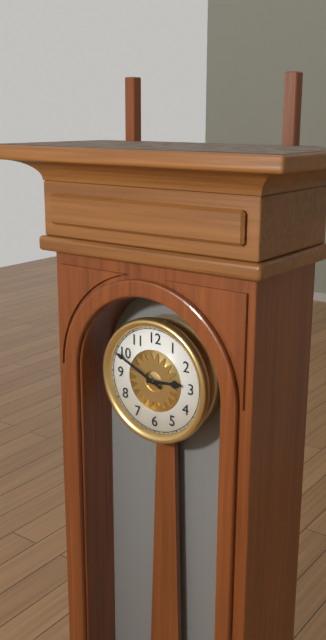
2.49
